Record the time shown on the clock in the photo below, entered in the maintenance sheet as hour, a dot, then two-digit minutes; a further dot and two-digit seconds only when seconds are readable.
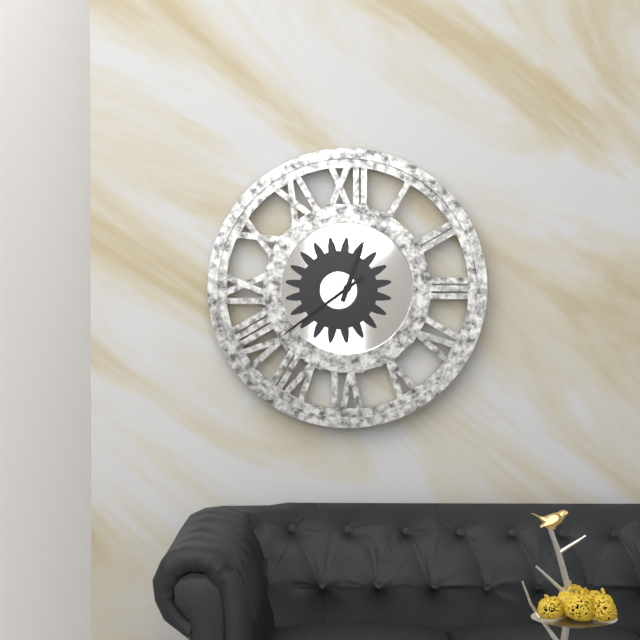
12.39
